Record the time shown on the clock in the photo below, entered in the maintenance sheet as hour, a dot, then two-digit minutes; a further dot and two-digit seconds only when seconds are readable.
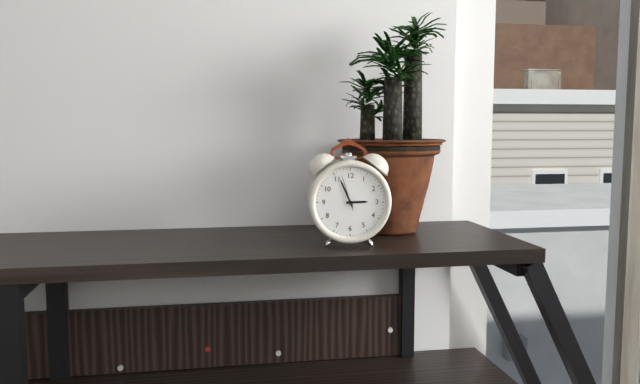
2.56
